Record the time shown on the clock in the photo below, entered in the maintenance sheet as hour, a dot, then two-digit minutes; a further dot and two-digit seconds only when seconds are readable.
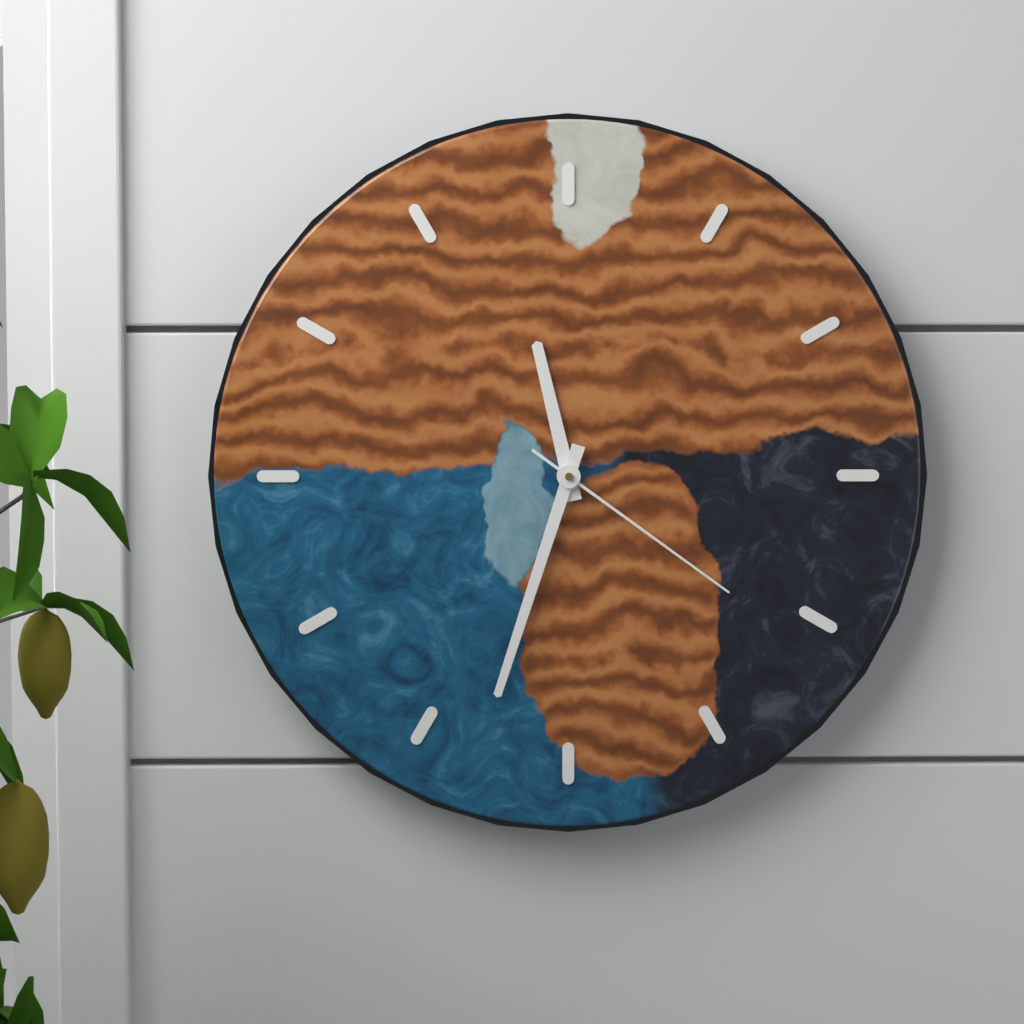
11.33.21
